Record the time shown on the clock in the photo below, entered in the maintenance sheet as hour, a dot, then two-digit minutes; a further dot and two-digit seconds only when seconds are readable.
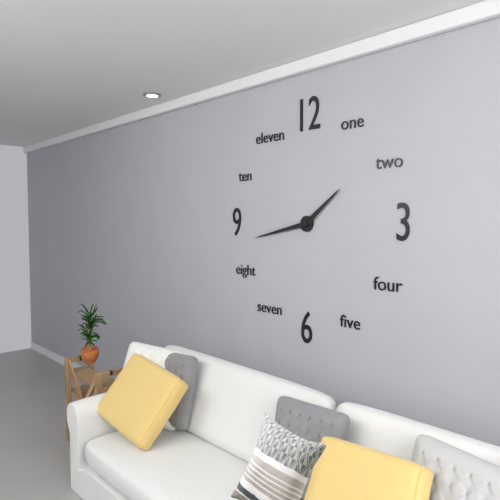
1.43
